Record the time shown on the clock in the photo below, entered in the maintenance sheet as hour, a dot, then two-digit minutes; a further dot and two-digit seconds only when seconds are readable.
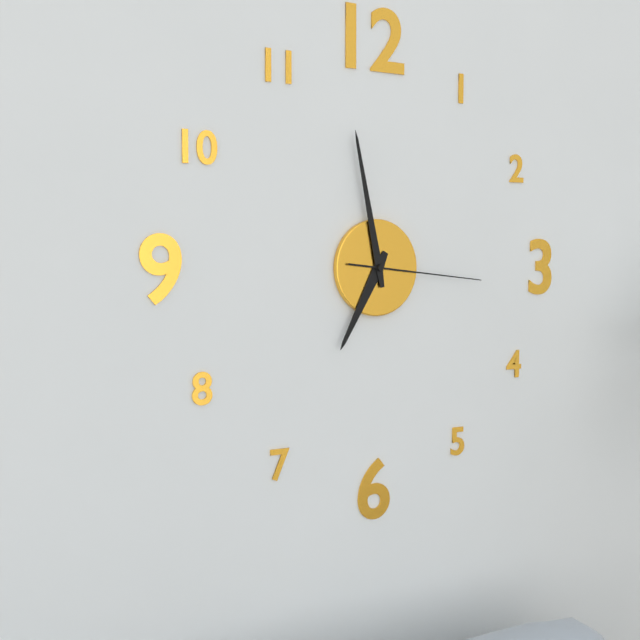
6.58.16
